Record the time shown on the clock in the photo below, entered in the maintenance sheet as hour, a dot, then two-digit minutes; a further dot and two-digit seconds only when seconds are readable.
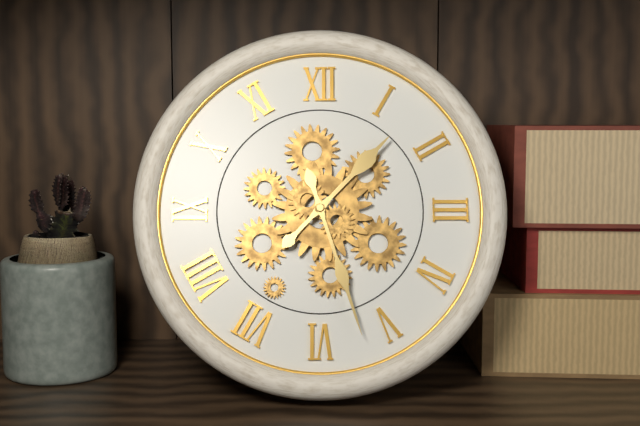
1.27
